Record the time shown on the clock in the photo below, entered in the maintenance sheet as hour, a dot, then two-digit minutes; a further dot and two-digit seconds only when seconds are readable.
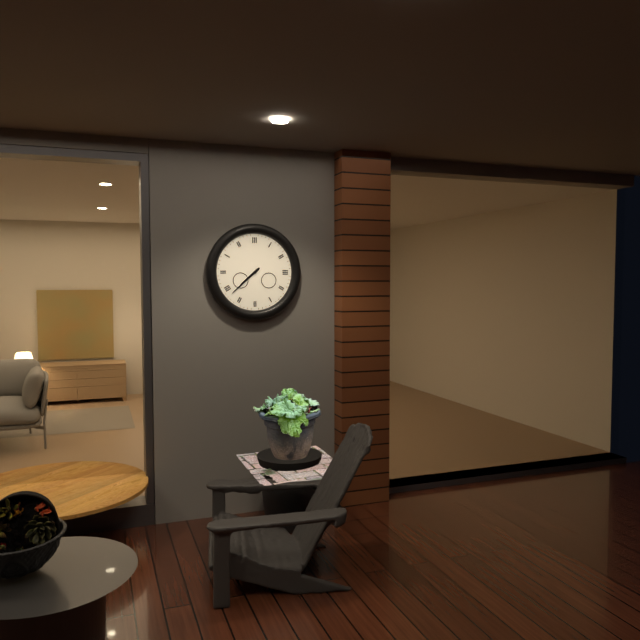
7.38
